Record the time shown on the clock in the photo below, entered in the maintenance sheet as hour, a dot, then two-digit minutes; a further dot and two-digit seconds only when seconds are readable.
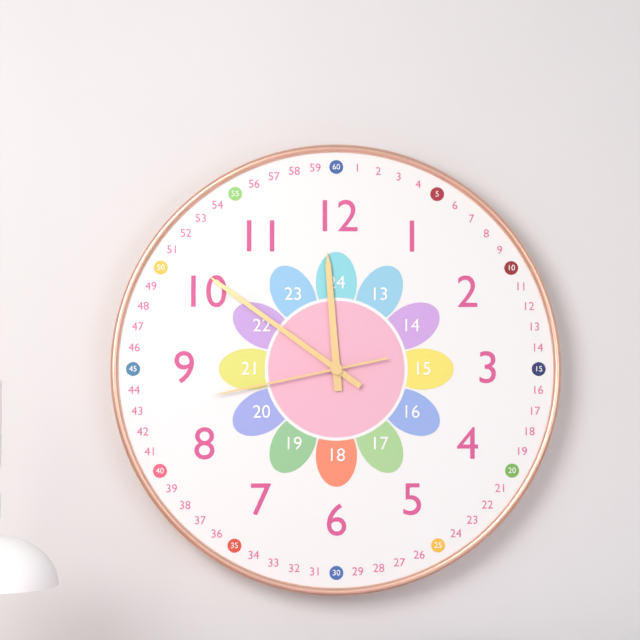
11.51.43
